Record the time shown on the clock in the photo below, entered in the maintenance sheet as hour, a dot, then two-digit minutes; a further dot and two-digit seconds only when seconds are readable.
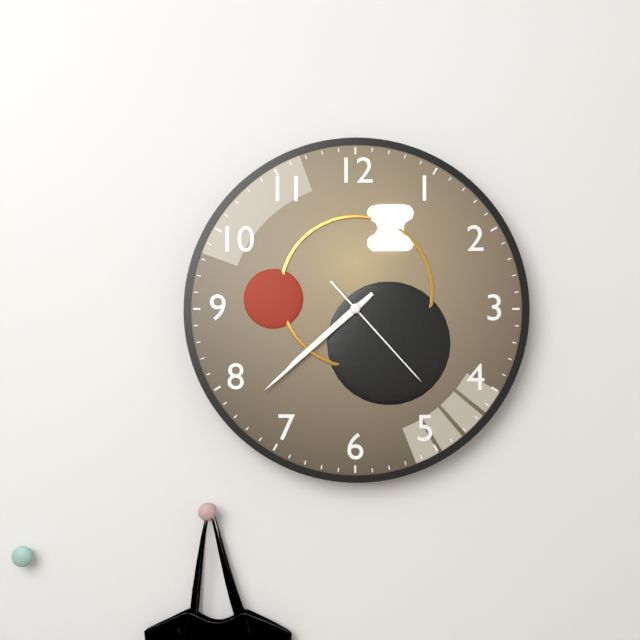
7.38.23
